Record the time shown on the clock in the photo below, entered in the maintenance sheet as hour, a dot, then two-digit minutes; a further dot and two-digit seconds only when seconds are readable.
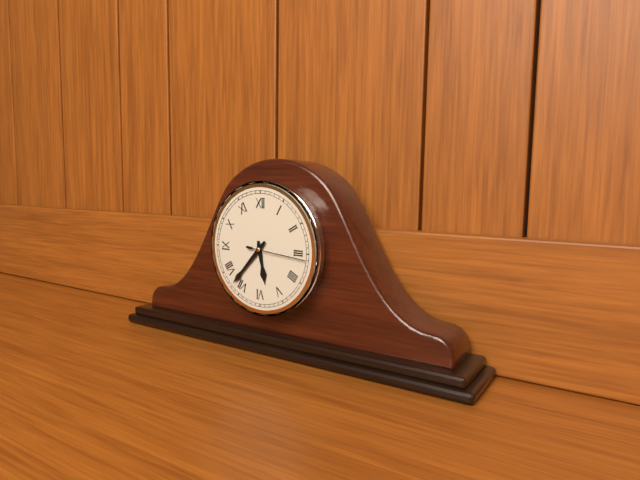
5.37.16
